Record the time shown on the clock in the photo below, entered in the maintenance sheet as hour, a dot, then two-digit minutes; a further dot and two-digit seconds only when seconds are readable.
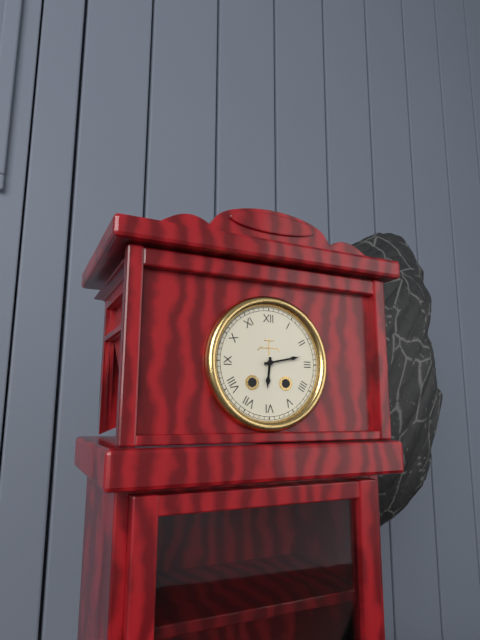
6.13
